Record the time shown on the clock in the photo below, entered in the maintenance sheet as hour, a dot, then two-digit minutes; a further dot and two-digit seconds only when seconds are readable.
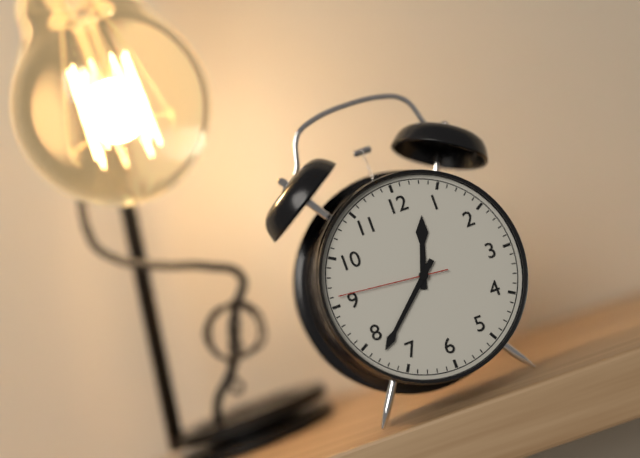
12.38.46
